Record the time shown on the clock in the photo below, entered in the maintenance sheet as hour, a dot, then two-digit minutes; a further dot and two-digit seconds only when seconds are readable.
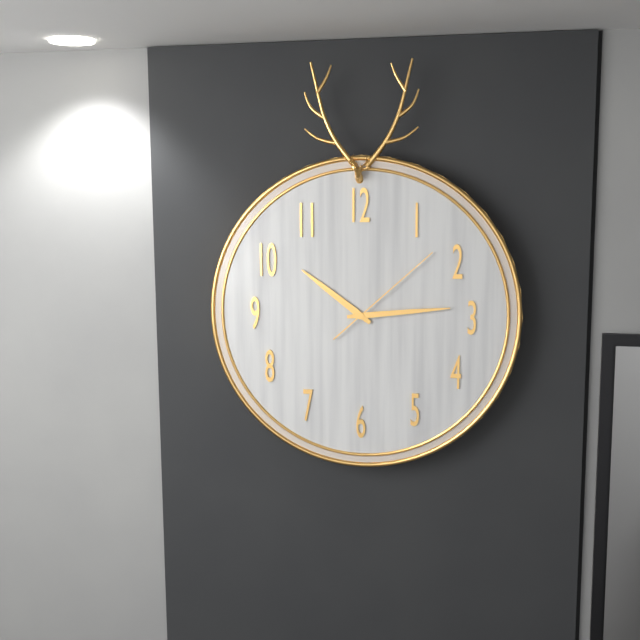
10.14.08
